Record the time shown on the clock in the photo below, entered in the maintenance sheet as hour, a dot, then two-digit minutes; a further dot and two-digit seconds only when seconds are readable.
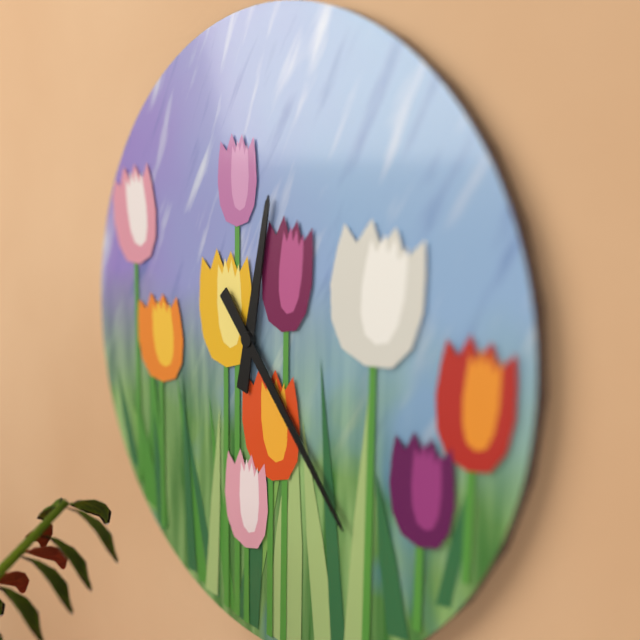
12.23
